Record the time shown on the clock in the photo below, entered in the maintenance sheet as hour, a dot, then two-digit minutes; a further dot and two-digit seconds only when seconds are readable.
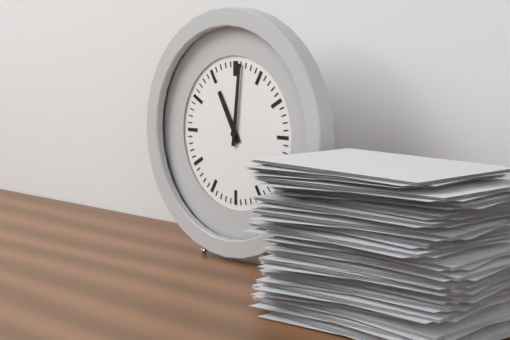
11.01
